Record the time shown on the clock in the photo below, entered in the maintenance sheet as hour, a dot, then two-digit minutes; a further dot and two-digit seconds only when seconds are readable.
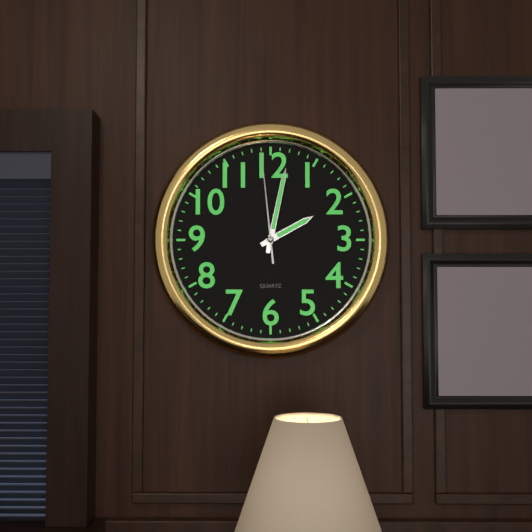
2.02.59
